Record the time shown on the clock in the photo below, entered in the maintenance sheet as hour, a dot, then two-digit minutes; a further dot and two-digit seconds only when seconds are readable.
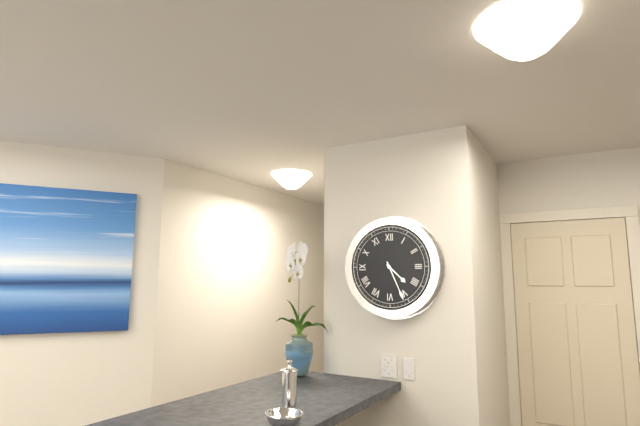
4.26
